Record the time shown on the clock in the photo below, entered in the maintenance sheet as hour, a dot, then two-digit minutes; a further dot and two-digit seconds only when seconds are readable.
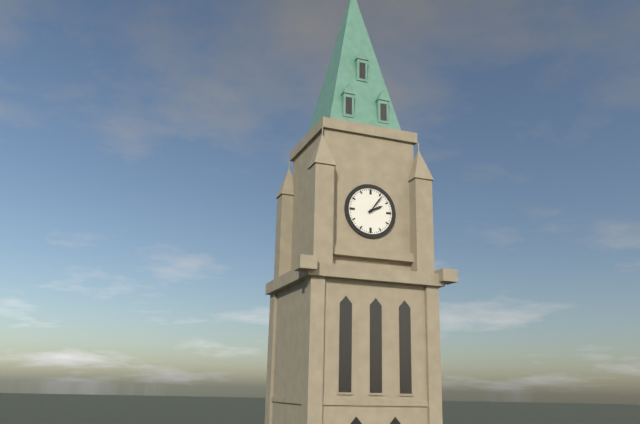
2.06
